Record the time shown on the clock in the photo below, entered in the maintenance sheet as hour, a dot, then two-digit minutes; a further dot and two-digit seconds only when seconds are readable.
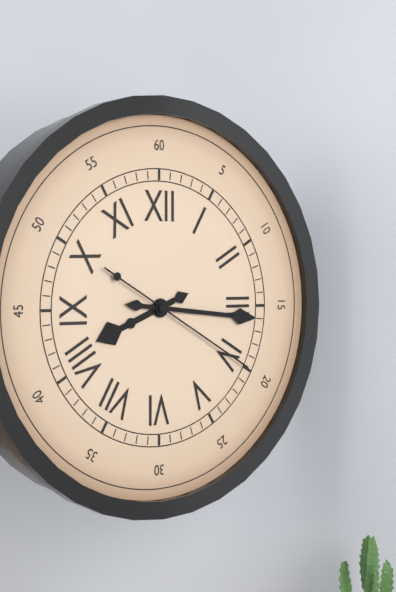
8.16.20
